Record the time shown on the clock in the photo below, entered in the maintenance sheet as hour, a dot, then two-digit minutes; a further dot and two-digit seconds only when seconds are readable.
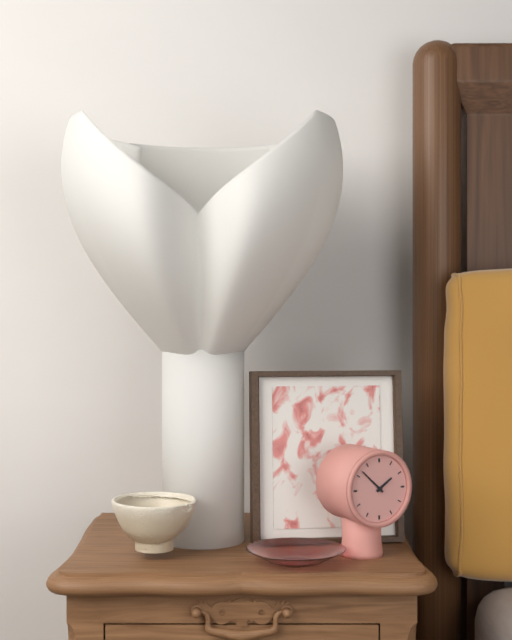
1.52
